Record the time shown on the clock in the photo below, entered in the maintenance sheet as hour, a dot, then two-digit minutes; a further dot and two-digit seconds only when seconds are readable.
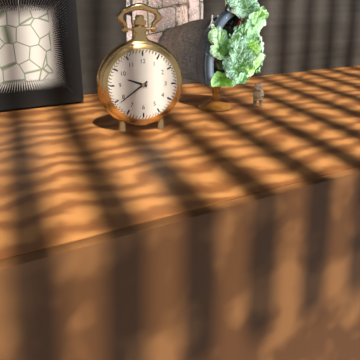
9.39
